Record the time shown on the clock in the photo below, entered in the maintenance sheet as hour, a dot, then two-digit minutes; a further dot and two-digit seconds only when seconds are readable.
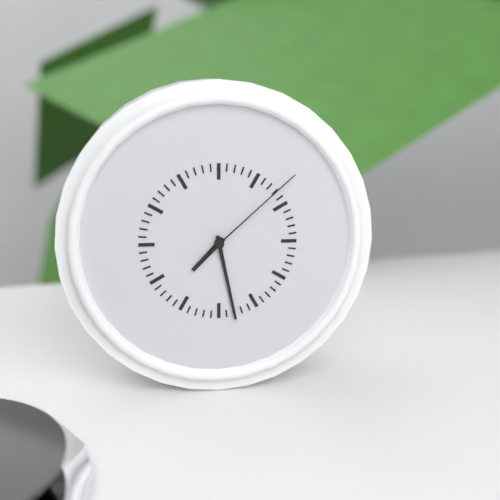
7.28.08
